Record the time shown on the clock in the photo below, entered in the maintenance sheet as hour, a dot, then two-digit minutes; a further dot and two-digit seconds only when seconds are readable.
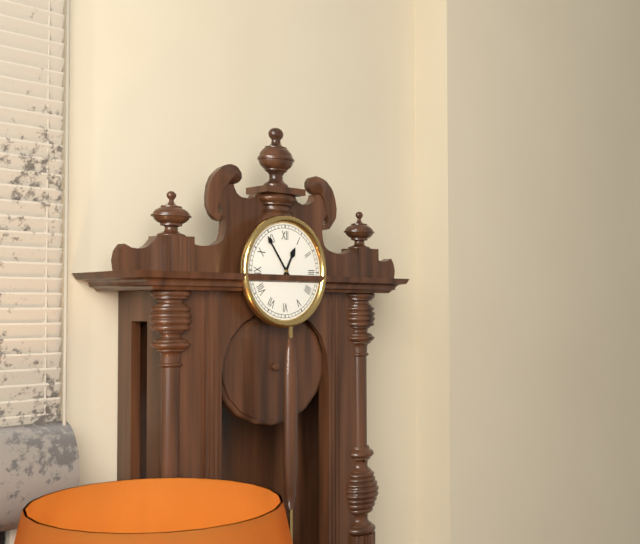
12.54
